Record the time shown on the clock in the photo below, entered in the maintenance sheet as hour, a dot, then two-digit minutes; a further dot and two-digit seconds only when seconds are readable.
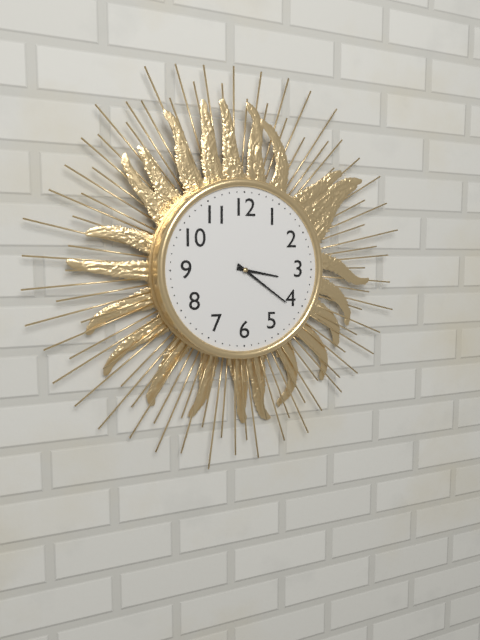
3.21
